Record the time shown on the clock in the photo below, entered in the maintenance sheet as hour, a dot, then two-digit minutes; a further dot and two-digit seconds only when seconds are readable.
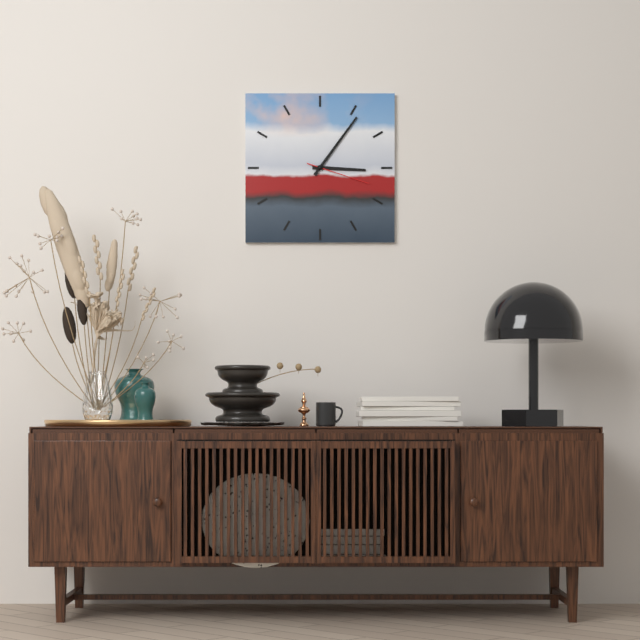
3.06.18
